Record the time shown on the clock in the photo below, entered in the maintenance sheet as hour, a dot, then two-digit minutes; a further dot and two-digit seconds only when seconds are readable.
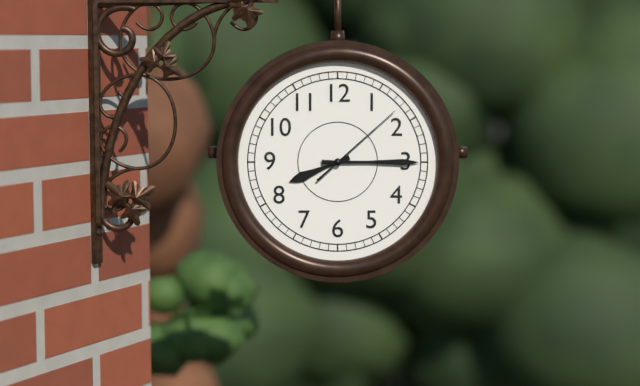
8.15.08
